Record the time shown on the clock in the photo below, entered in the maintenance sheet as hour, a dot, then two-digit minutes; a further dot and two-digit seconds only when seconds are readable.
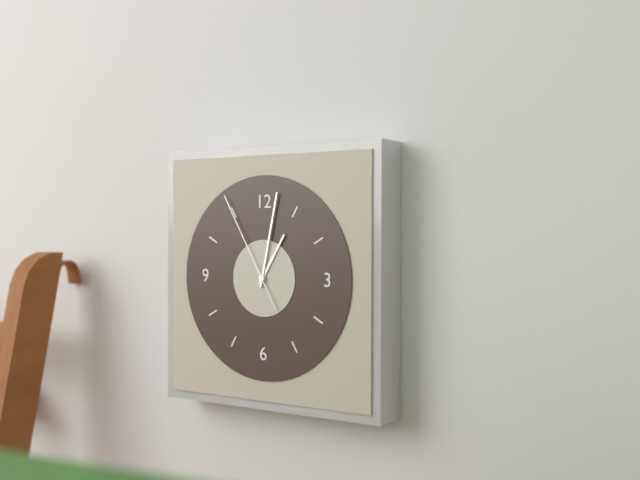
1.02.55
